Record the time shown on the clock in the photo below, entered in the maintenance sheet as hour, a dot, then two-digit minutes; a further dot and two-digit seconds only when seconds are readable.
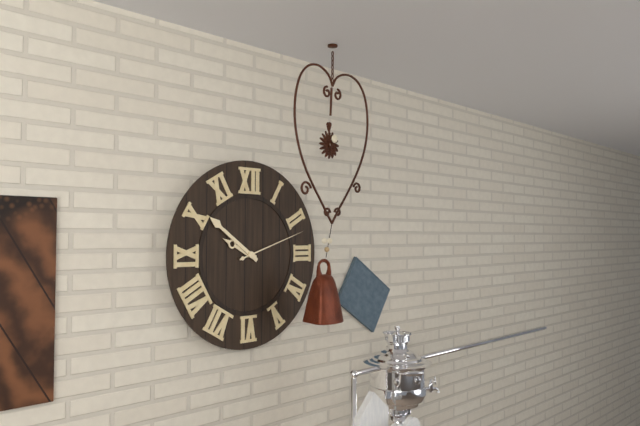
9.51.12
